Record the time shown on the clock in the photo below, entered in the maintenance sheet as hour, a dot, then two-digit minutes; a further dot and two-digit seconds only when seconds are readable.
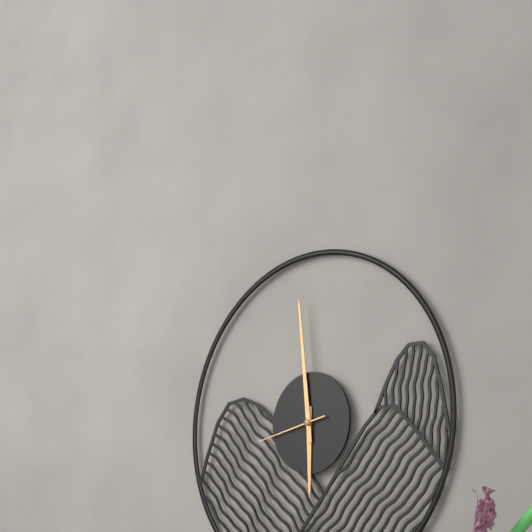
5.59.43
